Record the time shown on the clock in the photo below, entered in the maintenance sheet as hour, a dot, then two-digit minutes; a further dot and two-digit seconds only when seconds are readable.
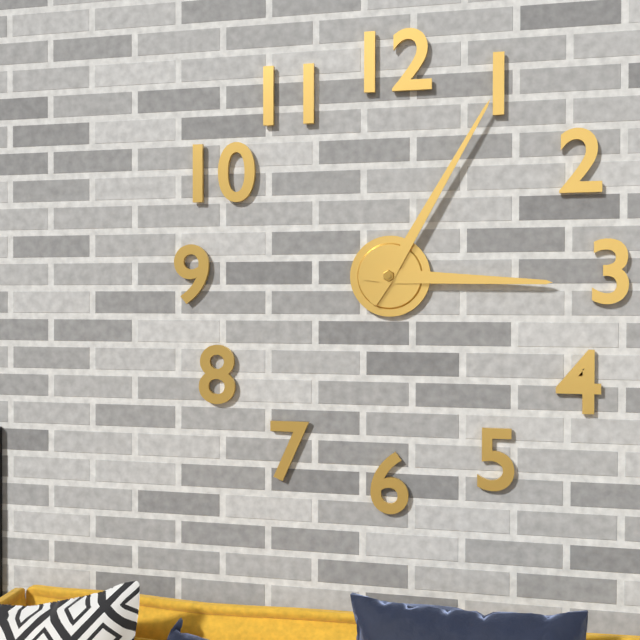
3.05
